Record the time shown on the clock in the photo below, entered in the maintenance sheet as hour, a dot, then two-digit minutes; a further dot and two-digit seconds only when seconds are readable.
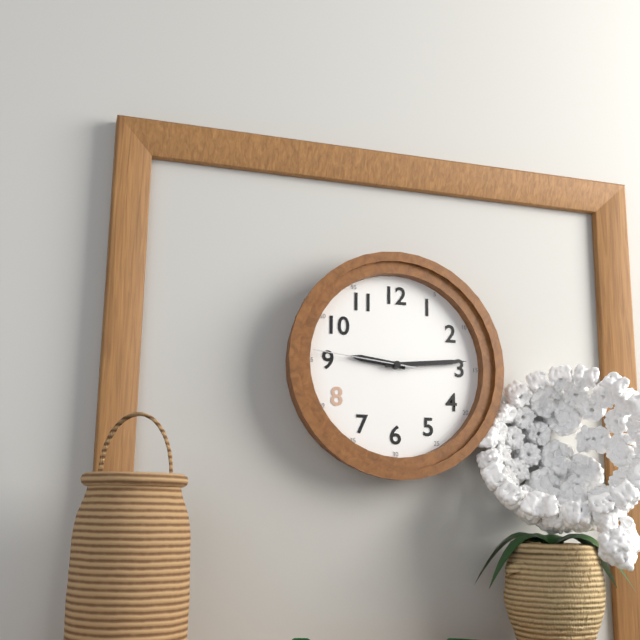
9.14.46
